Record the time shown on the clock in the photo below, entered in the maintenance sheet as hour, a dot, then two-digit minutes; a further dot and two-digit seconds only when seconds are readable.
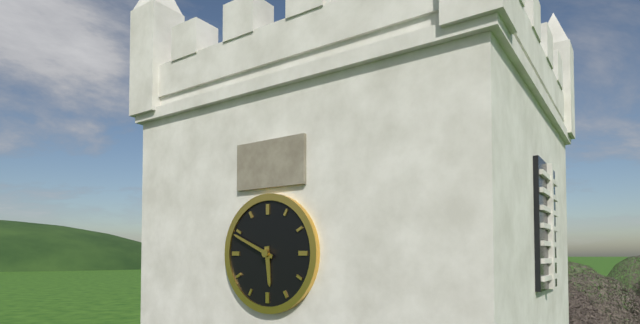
5.49
